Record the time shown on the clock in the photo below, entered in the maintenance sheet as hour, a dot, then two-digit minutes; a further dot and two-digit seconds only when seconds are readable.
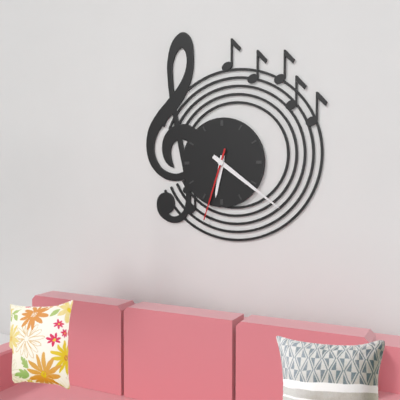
6.21.33
